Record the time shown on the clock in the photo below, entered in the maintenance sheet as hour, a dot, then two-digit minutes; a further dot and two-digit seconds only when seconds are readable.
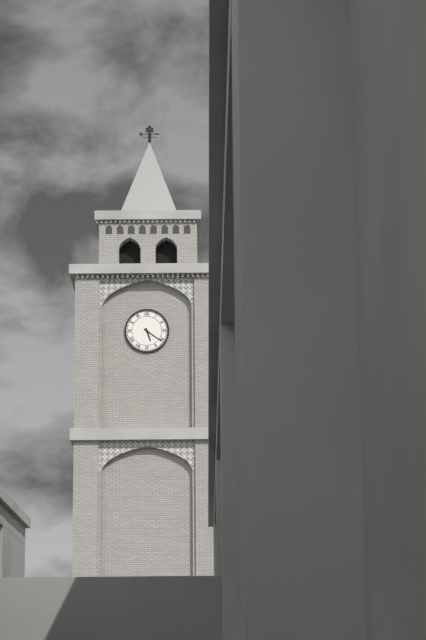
5.21
